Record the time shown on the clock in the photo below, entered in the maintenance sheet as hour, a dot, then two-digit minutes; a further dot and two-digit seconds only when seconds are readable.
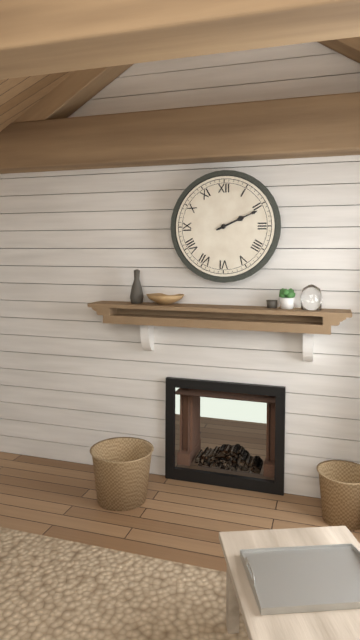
2.11
